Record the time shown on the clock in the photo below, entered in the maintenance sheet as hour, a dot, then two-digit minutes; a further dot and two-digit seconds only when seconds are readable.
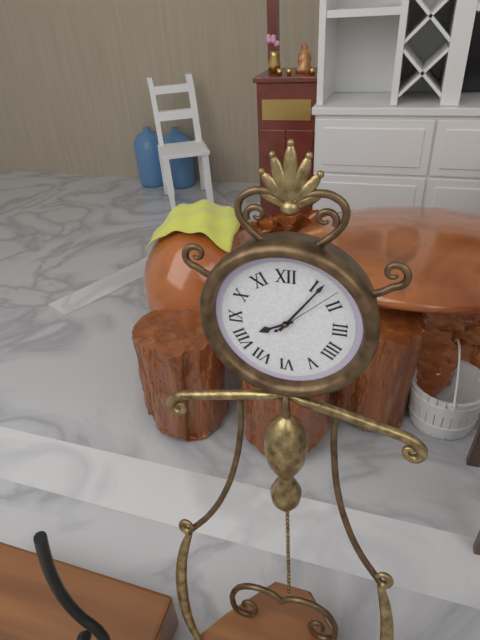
8.06.08
